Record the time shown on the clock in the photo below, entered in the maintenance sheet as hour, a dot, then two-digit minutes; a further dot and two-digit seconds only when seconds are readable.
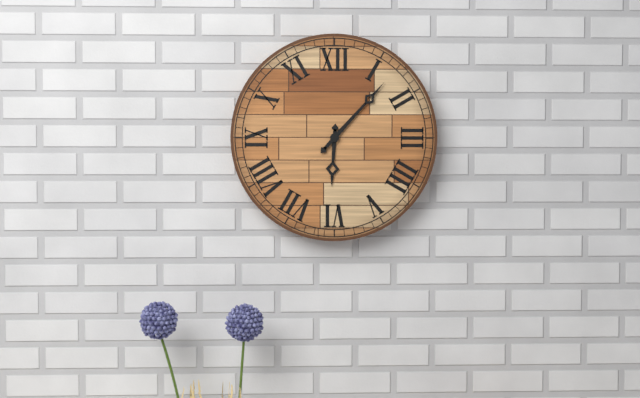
6.07
